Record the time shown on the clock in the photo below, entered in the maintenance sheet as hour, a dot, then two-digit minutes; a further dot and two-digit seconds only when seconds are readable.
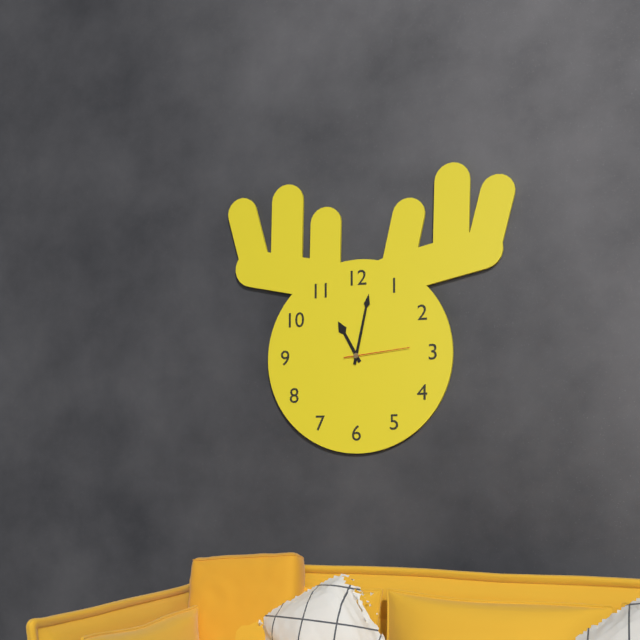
11.02.14
